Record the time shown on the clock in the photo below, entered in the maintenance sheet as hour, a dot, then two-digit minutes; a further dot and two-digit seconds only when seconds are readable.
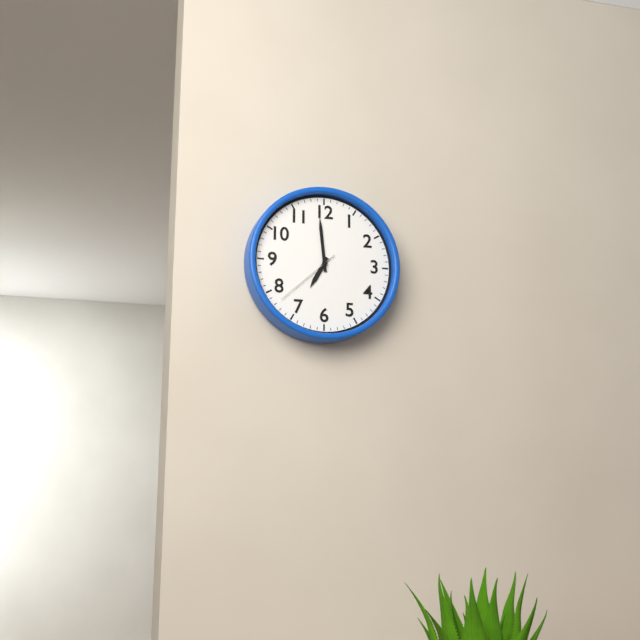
6.59.38
